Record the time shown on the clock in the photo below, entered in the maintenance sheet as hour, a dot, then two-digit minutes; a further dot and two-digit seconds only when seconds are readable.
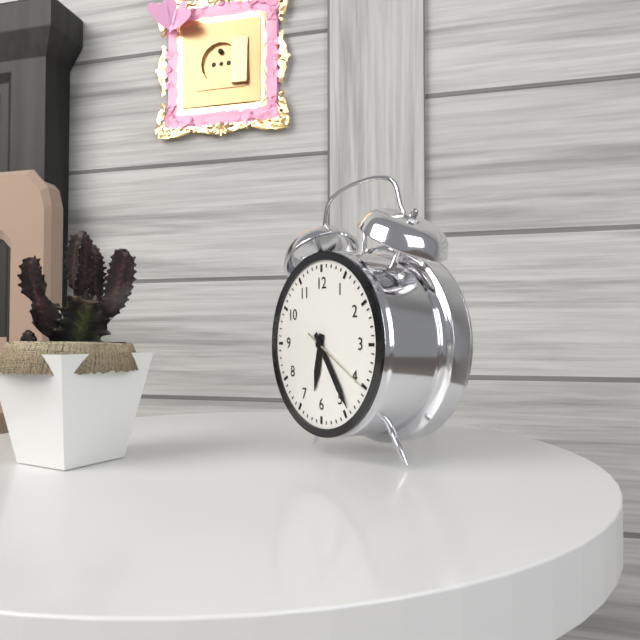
6.24.20
